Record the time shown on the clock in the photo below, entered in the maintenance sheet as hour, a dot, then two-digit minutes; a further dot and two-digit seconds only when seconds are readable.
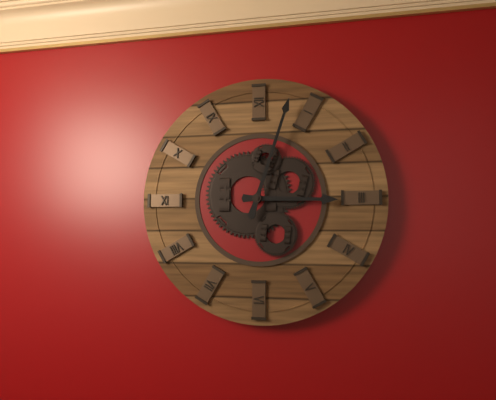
3.03
